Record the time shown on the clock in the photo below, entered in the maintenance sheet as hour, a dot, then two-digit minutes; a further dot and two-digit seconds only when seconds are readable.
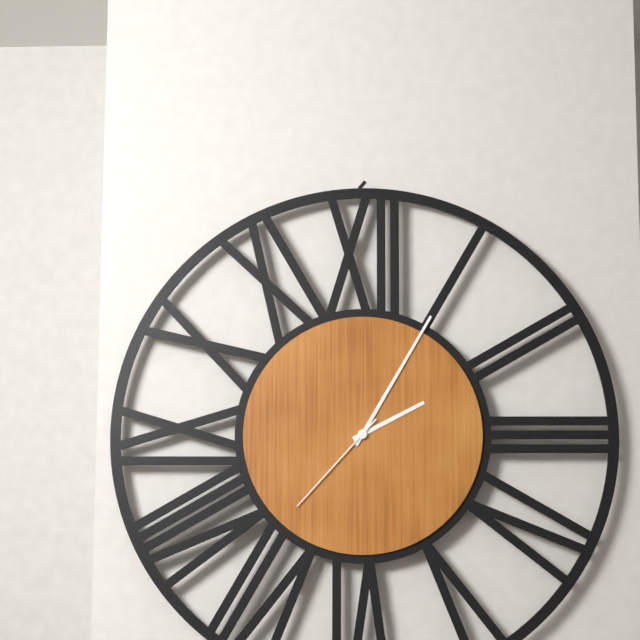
2.05.37
